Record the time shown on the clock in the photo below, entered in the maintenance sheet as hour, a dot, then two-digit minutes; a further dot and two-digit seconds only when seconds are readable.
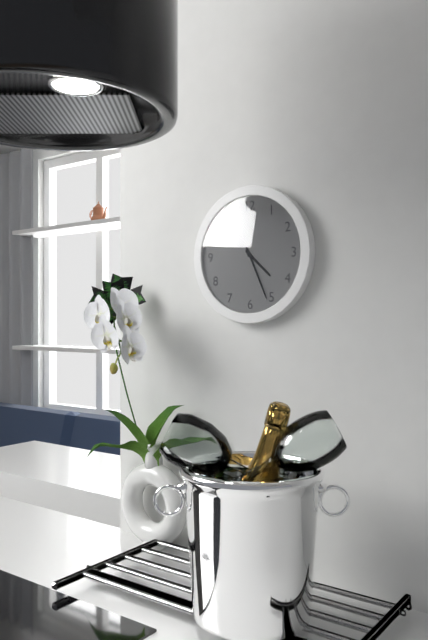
4.26
